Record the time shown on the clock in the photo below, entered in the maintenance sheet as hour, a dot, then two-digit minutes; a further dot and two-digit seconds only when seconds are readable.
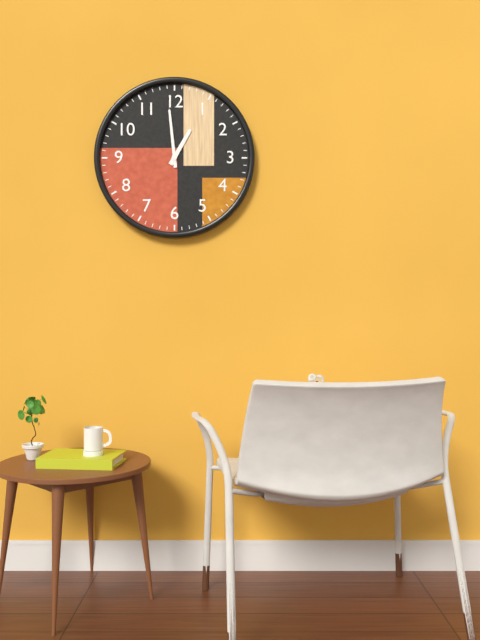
12.59
